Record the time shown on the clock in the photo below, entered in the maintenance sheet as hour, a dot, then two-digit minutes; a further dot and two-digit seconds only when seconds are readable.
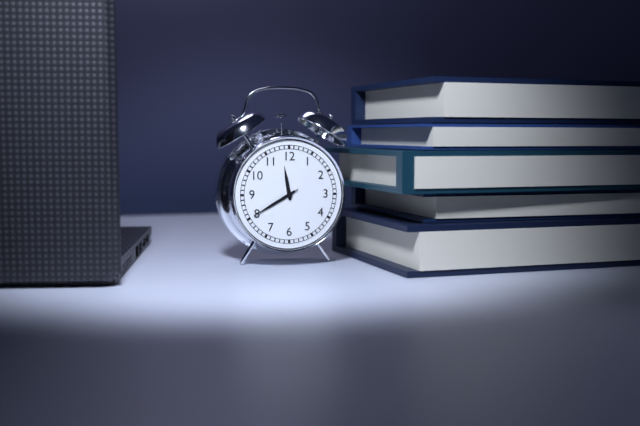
11.40.40
